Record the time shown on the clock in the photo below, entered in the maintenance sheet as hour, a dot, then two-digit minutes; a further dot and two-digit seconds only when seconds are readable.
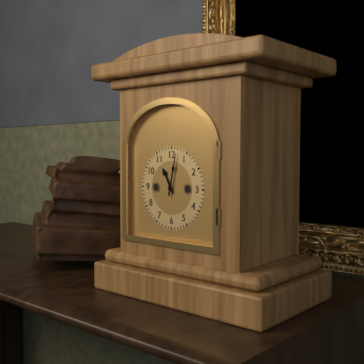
11.02
